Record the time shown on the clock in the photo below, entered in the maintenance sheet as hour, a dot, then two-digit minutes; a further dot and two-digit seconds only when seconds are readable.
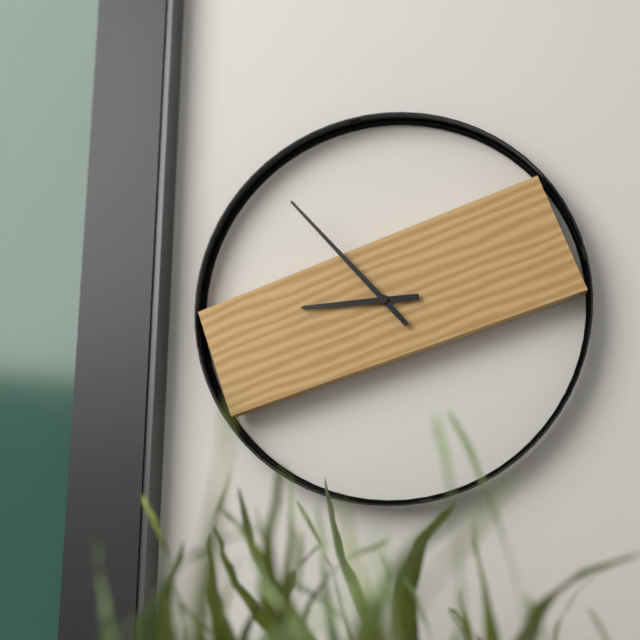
8.53
